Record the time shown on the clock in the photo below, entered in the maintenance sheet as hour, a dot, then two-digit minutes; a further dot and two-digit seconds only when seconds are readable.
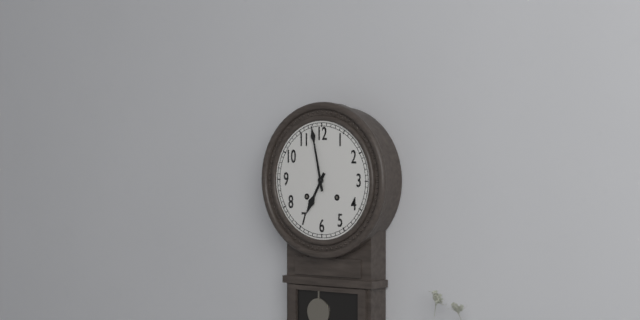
6.58
